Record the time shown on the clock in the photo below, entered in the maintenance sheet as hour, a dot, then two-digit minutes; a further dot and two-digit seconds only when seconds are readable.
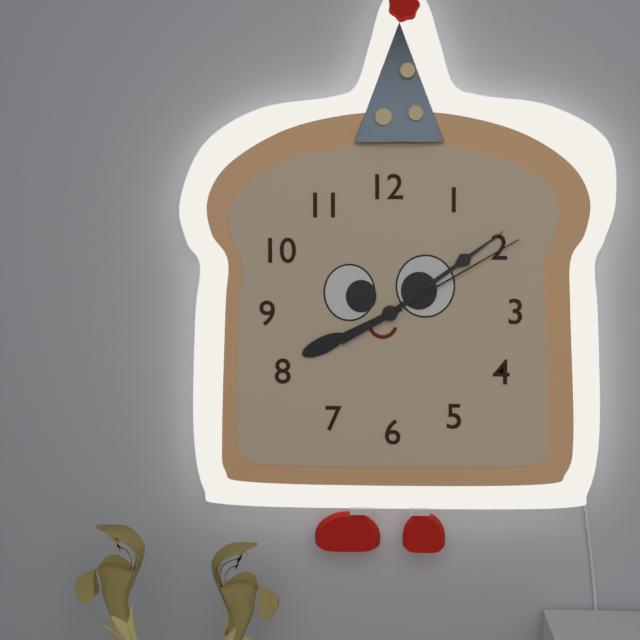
8.09.10
